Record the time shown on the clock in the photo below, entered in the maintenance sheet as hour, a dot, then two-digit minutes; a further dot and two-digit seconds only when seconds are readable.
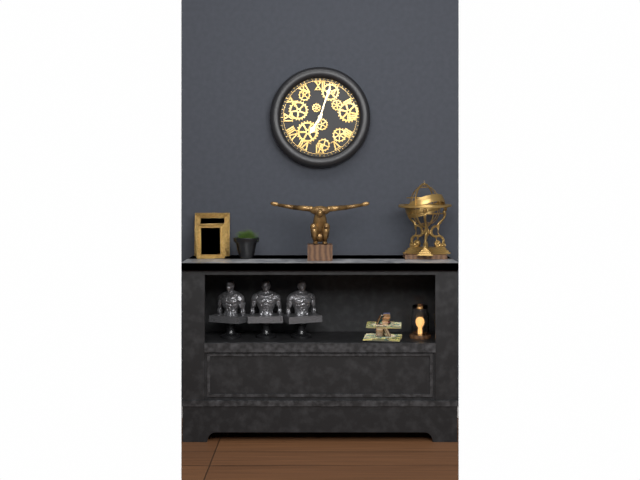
7.03
